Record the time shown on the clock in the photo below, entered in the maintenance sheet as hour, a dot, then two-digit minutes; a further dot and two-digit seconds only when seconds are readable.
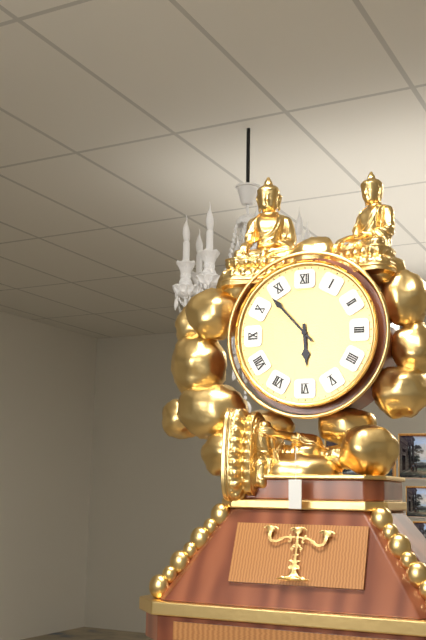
5.53
